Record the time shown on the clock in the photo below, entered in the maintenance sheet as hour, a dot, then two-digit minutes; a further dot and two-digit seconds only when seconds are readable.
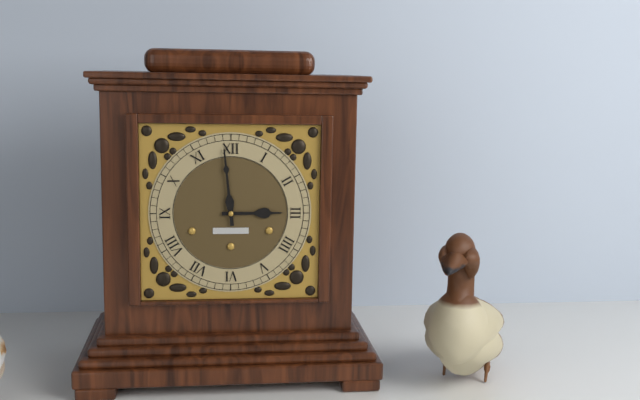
2.59
